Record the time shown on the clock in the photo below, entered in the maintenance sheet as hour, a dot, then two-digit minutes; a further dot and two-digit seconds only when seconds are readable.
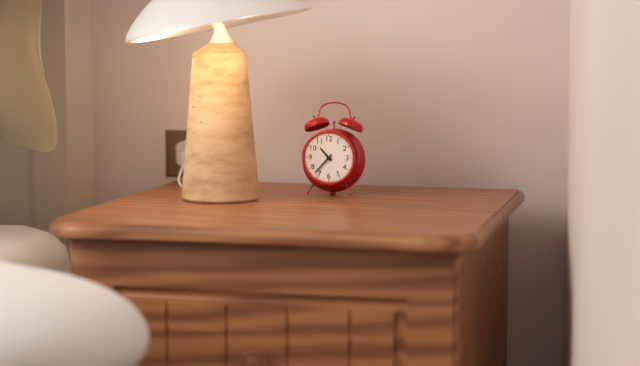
10.37
